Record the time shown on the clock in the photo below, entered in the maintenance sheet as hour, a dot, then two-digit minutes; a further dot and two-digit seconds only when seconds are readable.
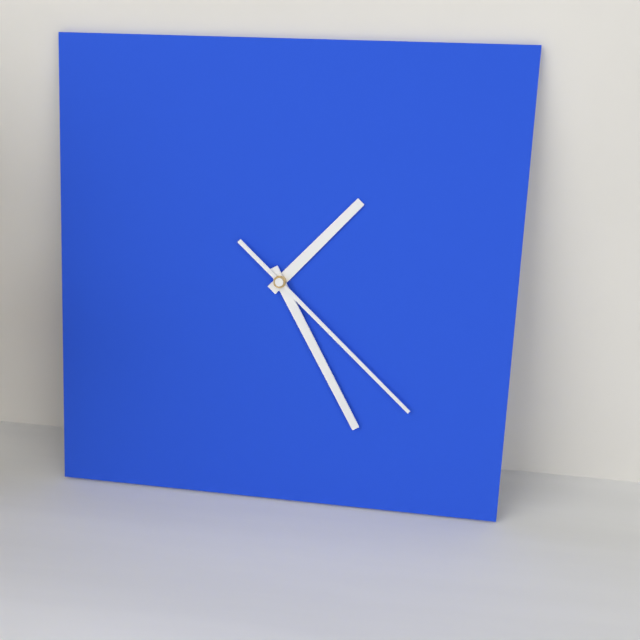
1.25.22
